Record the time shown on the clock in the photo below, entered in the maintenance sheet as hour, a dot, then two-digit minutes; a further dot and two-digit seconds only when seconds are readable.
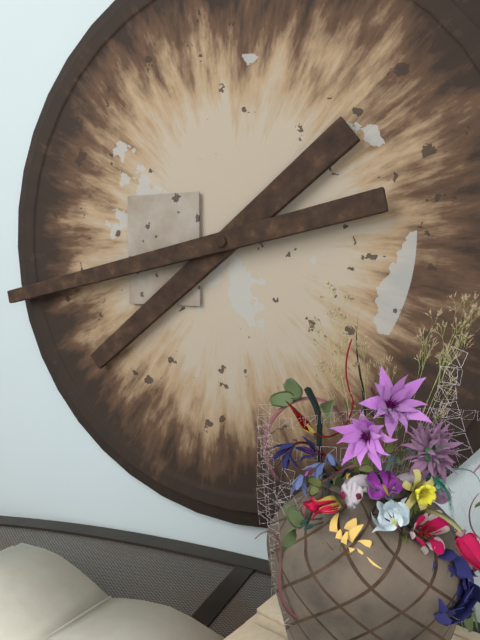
7.43
